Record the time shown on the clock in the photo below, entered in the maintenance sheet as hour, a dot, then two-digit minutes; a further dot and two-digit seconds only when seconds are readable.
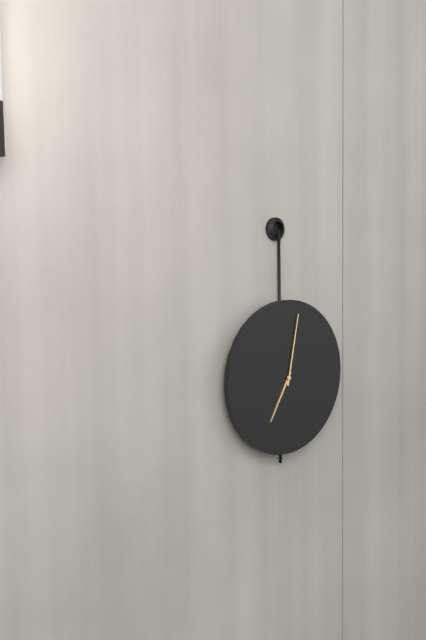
7.02
